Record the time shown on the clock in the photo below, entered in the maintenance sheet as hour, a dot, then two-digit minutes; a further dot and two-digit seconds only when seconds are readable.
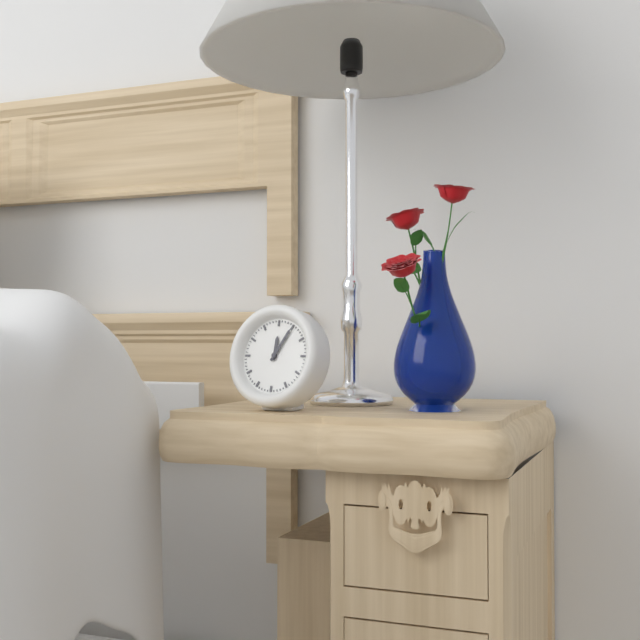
12.05
